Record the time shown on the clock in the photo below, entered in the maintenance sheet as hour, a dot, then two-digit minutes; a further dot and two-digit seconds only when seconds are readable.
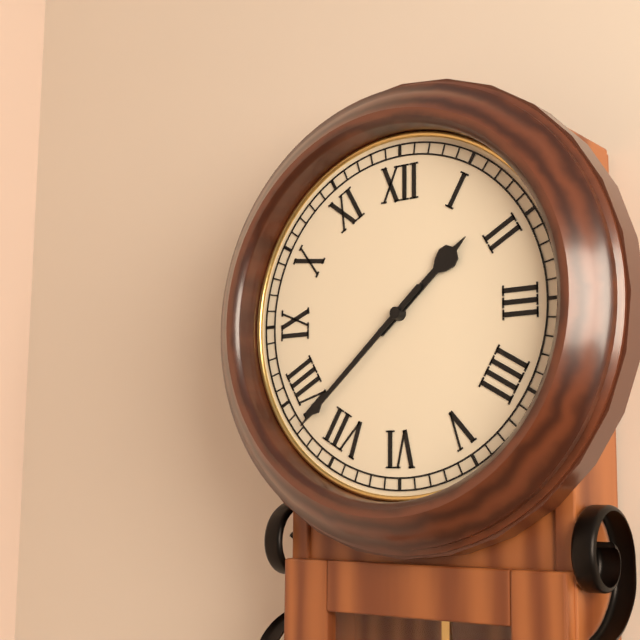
1.38
